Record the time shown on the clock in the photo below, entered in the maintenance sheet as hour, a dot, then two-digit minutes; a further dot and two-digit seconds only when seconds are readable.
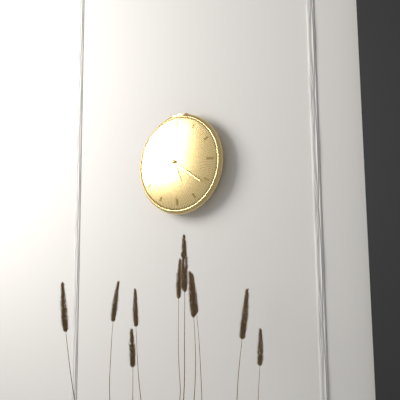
5.21
